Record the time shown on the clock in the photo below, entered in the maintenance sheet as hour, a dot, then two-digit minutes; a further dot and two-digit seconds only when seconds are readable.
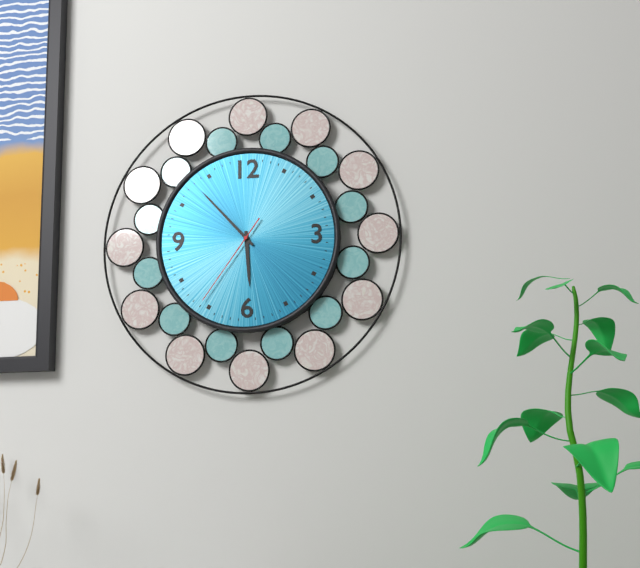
5.53.36
